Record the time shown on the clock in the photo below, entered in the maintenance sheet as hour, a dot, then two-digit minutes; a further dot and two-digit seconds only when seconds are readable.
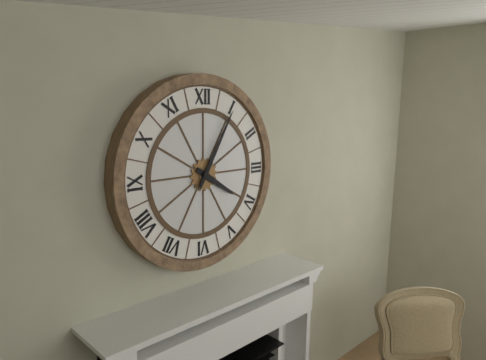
4.05
